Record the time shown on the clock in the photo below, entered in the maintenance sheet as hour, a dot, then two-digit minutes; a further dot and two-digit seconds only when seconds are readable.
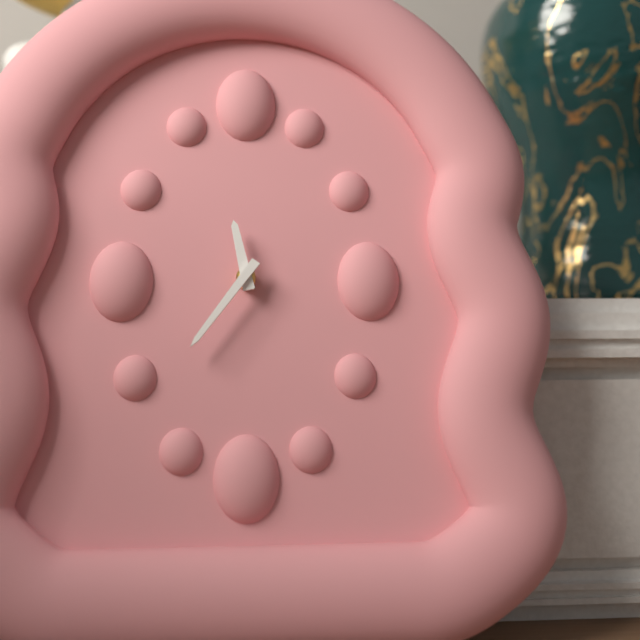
11.36
